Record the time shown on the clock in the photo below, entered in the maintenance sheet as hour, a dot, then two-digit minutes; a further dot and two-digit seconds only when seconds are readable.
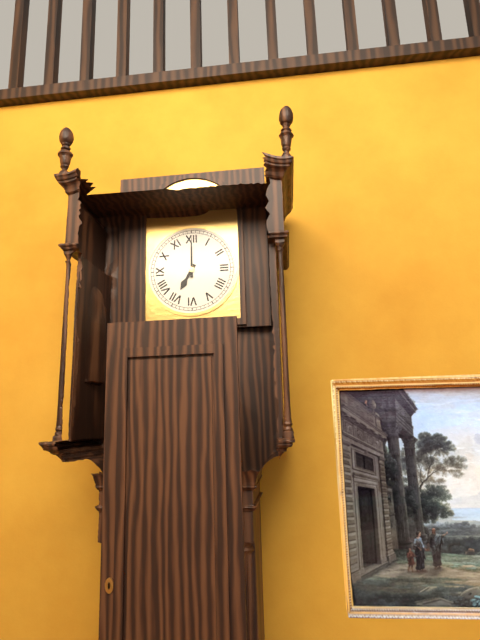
7.00
